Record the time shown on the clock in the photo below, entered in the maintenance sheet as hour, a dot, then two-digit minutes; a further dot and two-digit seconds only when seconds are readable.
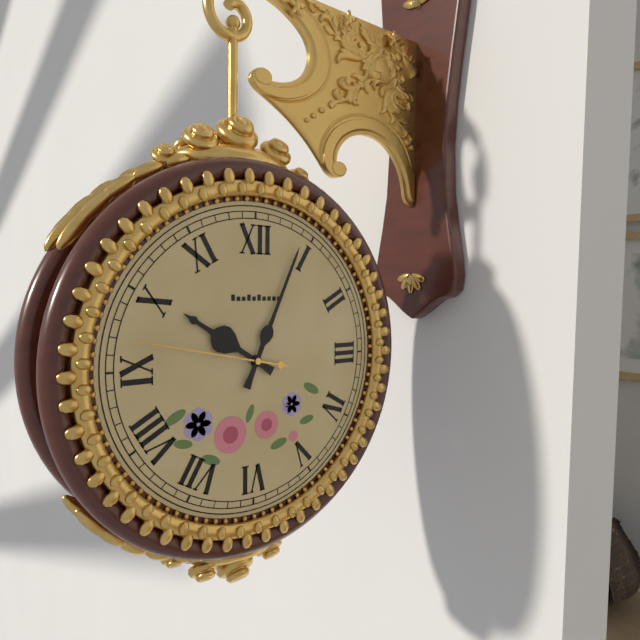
10.04.47
